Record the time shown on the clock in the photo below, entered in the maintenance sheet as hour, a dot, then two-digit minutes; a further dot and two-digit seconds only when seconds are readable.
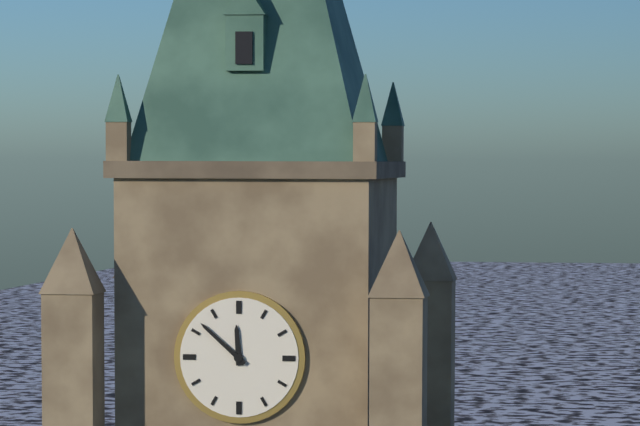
11.52
